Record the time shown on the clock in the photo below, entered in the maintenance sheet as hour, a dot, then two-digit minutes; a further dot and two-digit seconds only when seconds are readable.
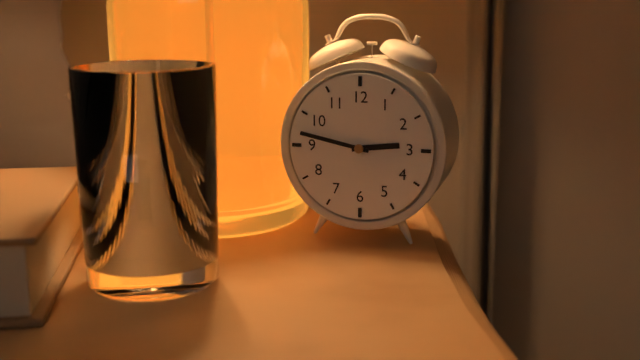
2.47
